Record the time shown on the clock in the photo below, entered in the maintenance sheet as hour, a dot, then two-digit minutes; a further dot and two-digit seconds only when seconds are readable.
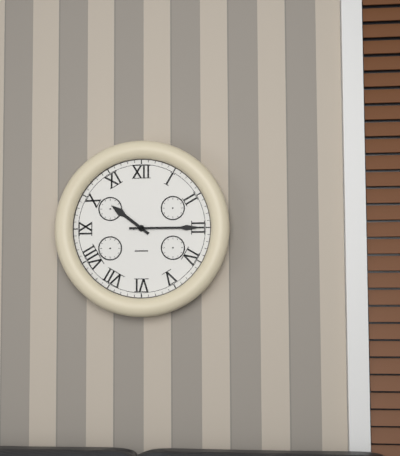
10.15
